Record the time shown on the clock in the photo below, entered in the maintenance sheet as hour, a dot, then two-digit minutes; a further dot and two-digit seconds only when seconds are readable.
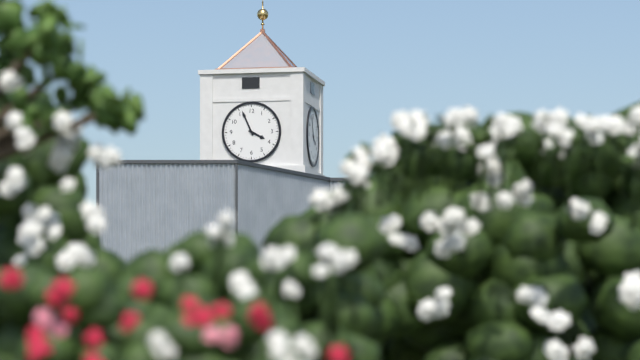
3.56
